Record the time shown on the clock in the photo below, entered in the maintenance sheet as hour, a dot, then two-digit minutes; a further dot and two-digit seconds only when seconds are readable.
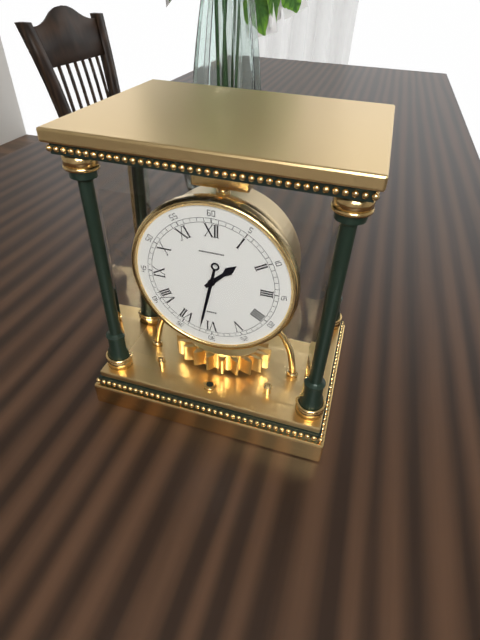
1.32
